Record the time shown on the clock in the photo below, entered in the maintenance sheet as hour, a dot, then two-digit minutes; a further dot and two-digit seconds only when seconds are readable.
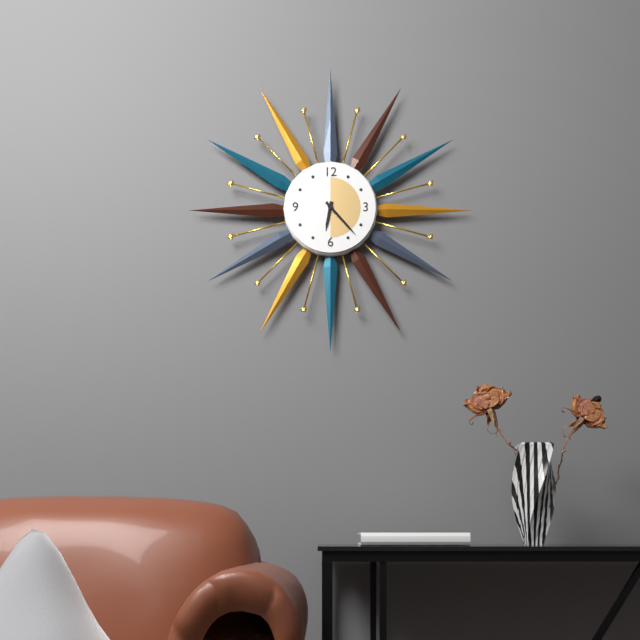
6.23
